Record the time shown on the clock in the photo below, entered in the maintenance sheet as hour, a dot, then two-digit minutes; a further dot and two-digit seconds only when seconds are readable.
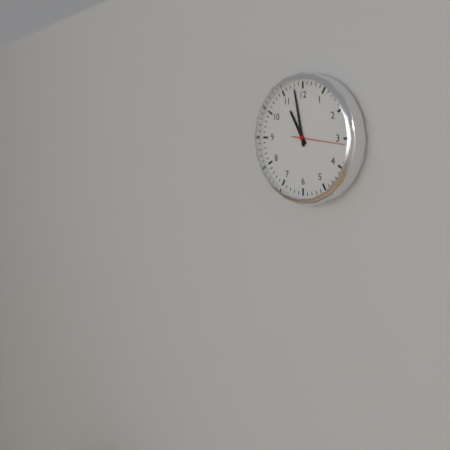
10.58.16
